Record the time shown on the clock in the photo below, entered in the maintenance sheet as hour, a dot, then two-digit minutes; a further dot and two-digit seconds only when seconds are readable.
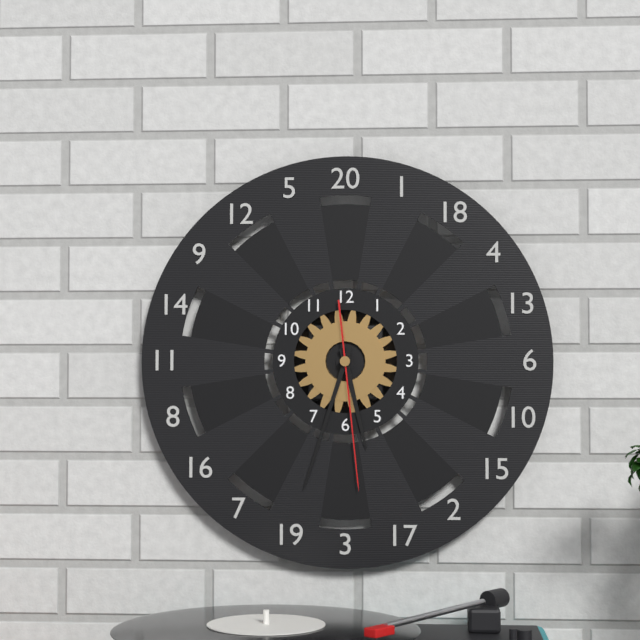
5.33.29
